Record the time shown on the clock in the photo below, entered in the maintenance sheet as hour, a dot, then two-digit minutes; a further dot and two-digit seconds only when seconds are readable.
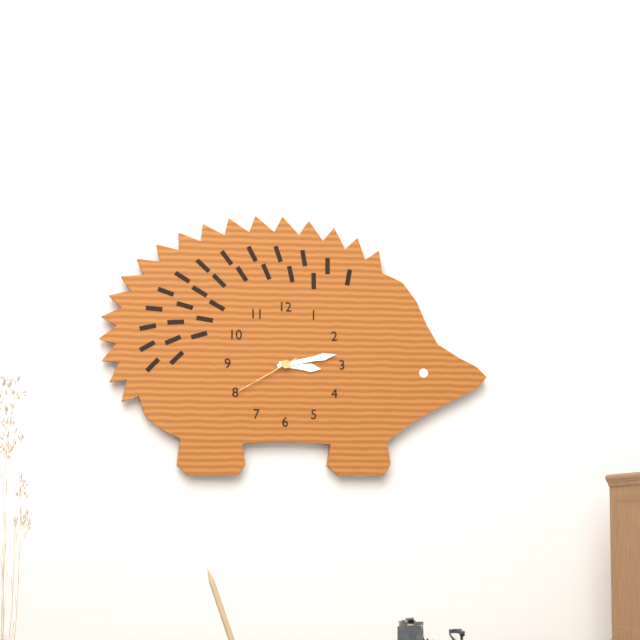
3.13.40
